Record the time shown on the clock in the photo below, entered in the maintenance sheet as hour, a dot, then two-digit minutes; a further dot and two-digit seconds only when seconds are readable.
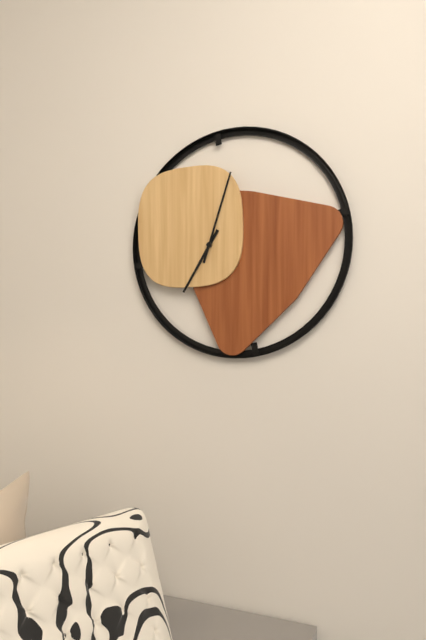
7.03
